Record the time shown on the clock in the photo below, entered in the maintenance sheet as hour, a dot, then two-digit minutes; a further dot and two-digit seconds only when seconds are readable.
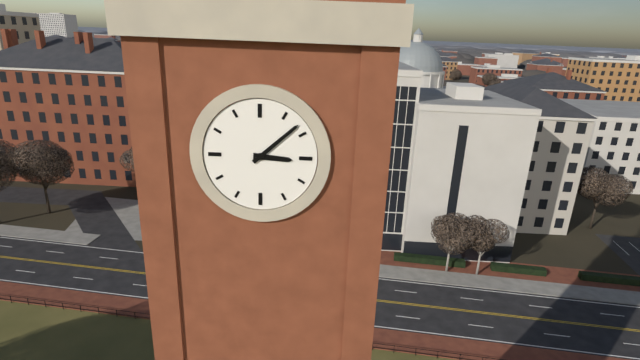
3.08
